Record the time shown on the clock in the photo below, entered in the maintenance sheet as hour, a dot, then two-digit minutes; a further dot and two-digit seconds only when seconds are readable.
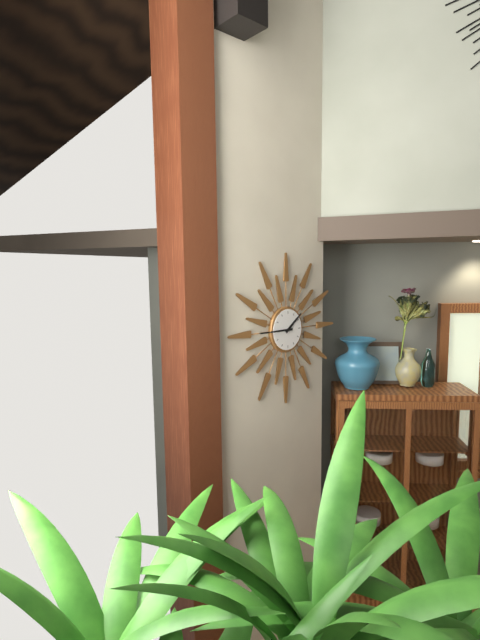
1.45
